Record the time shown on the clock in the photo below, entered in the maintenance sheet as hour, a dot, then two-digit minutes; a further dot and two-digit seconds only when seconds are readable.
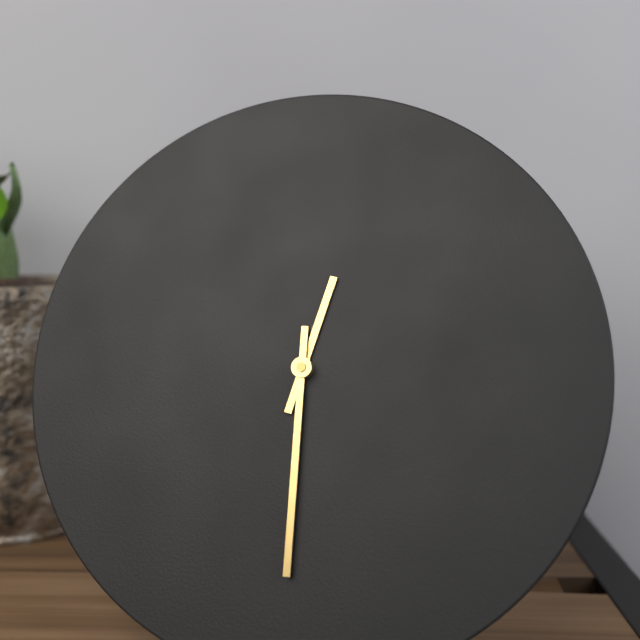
12.30
